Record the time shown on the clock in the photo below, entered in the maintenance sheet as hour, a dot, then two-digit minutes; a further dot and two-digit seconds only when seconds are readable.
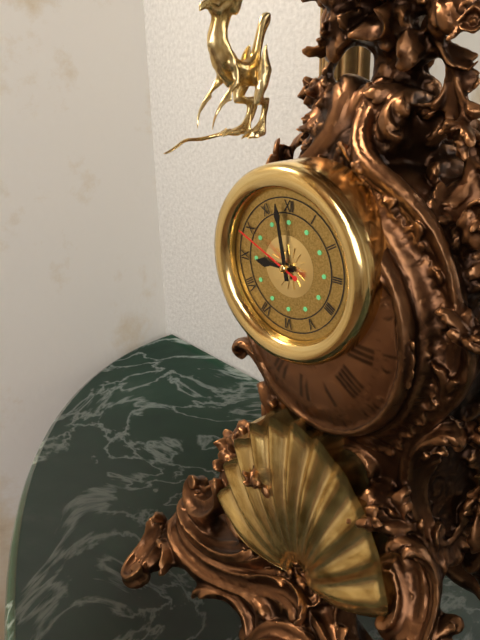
8.58.49
